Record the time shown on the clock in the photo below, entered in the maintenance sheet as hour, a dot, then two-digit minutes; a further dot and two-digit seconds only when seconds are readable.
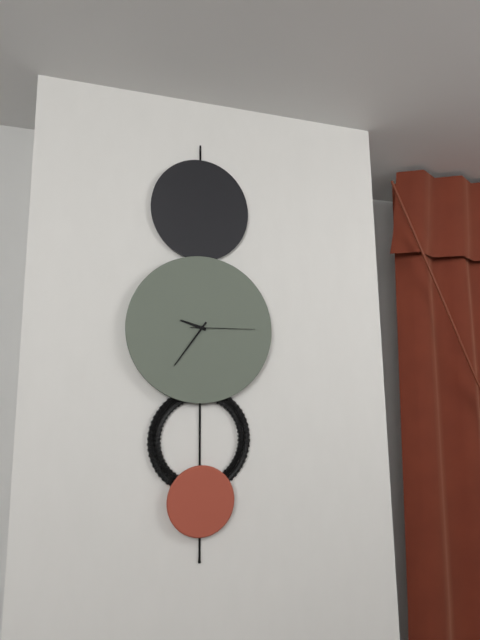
9.36.15
